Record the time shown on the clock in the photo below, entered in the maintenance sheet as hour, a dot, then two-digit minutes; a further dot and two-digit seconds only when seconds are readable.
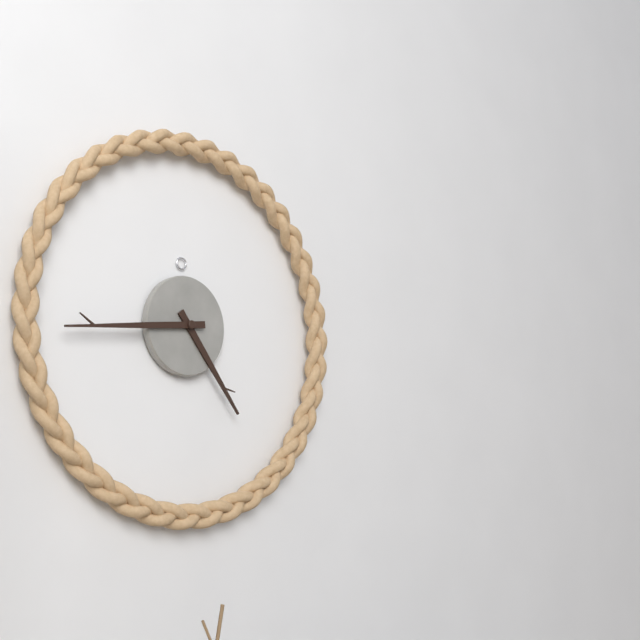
4.44
